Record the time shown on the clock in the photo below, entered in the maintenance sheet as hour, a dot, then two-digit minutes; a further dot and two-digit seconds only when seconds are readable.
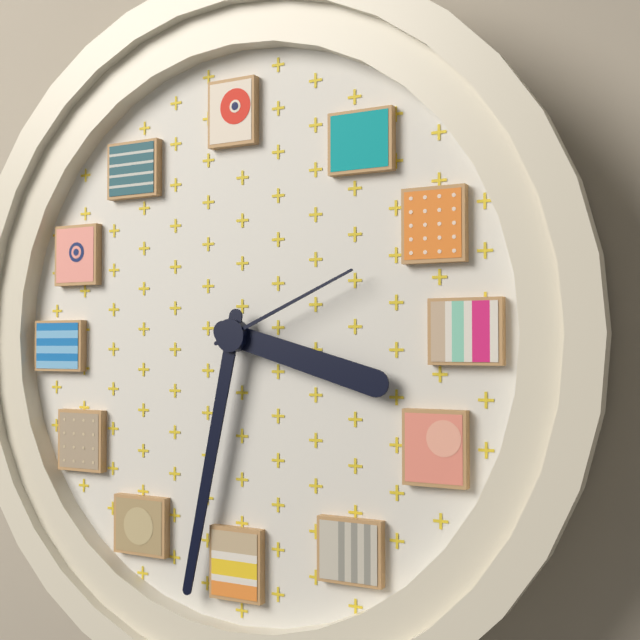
3.32.11
